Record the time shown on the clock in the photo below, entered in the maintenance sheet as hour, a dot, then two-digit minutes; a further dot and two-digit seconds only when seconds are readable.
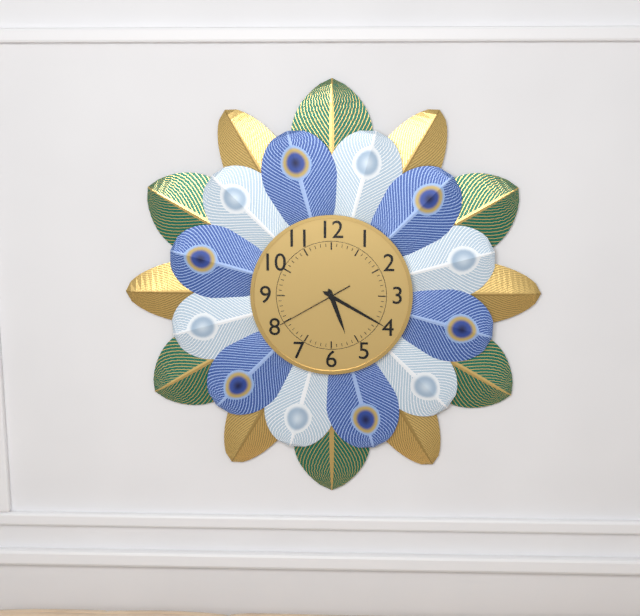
5.20.40
